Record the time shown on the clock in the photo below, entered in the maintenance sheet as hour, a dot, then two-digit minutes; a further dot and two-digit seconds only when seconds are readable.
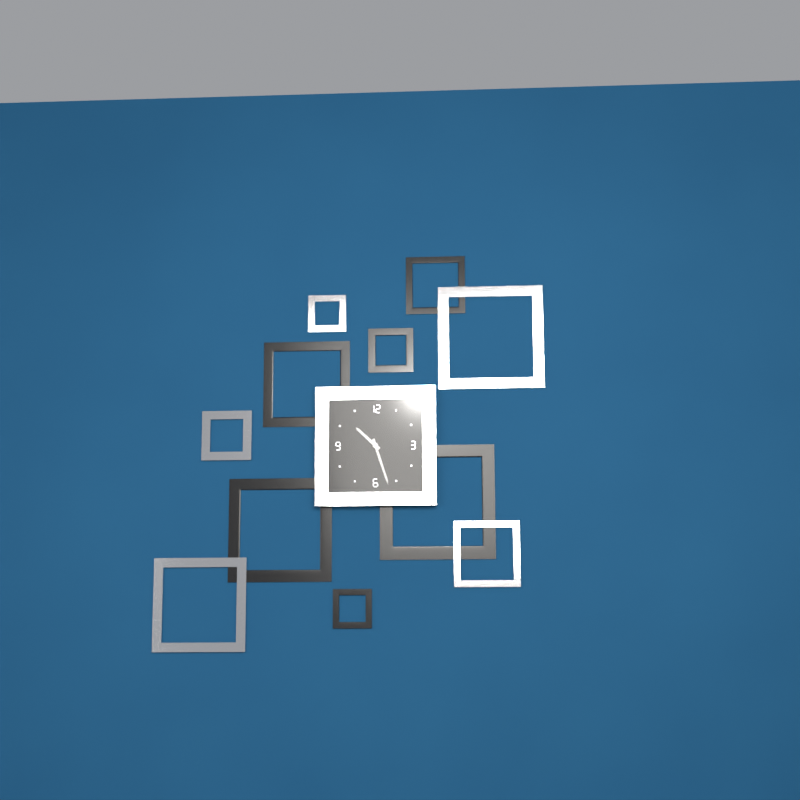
10.27
